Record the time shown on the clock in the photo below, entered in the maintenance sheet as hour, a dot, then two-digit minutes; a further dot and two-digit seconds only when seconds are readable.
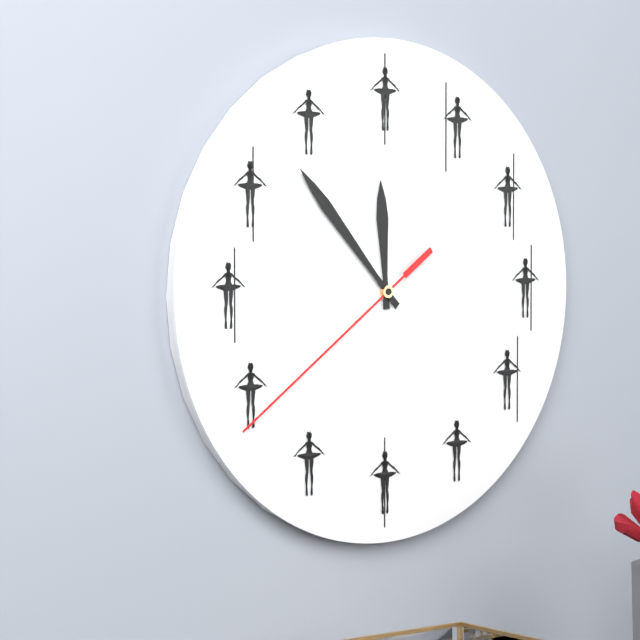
11.53.39
